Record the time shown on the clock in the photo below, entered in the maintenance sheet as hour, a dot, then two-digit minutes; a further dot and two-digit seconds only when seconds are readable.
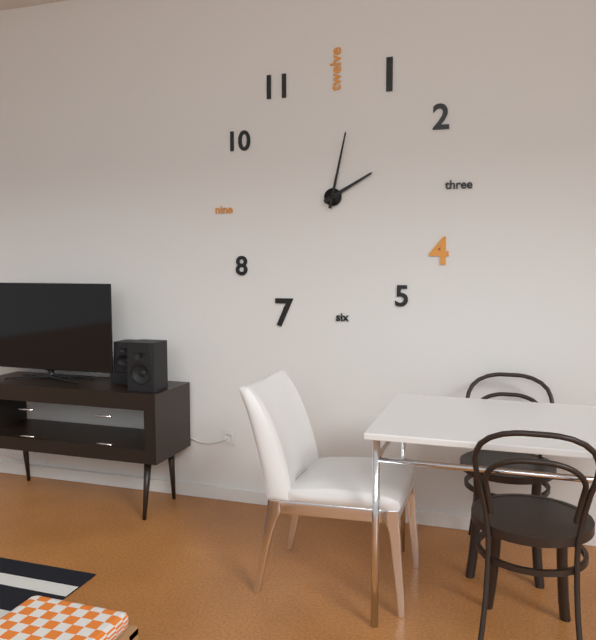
2.02
